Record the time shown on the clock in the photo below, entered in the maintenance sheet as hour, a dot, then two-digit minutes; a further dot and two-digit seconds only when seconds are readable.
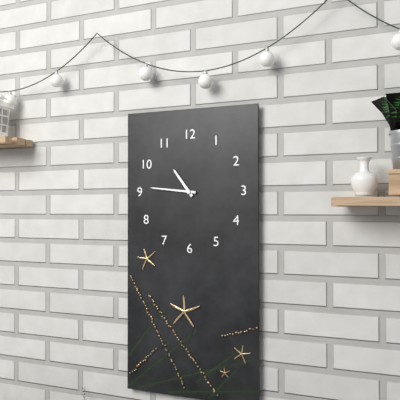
10.46
